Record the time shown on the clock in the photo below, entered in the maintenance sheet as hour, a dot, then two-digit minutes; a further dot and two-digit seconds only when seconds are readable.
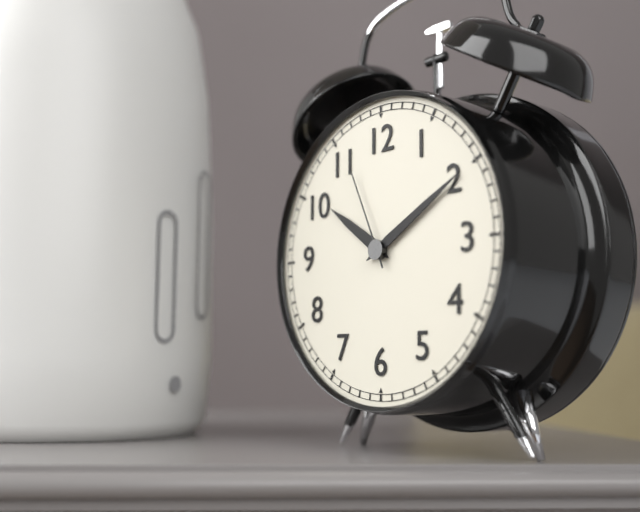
10.10.56
